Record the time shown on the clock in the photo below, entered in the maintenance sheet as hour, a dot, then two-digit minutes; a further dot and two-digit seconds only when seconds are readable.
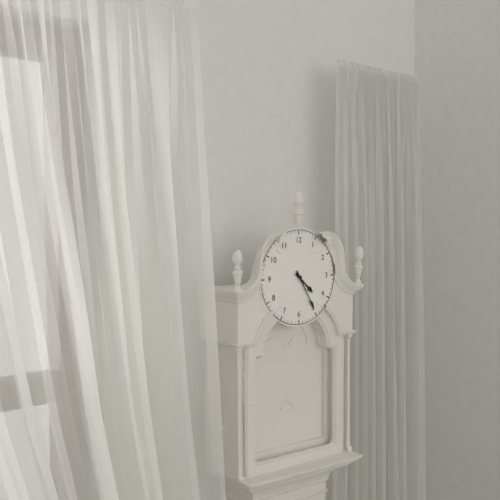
4.25
